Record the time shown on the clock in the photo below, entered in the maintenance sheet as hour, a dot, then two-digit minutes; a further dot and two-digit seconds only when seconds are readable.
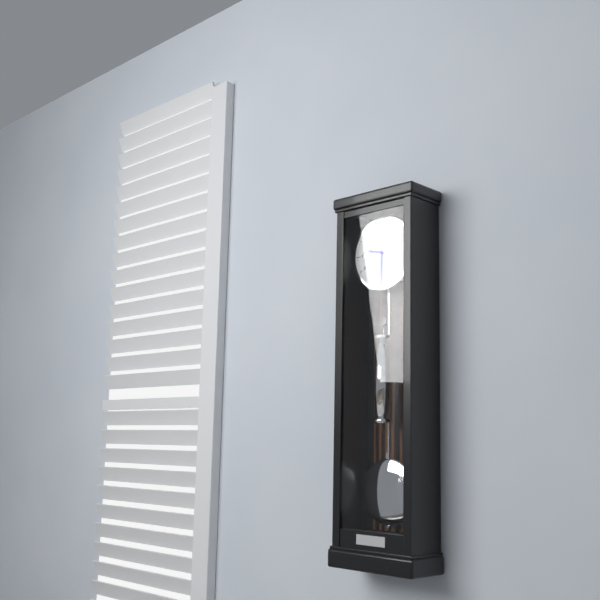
9.30
